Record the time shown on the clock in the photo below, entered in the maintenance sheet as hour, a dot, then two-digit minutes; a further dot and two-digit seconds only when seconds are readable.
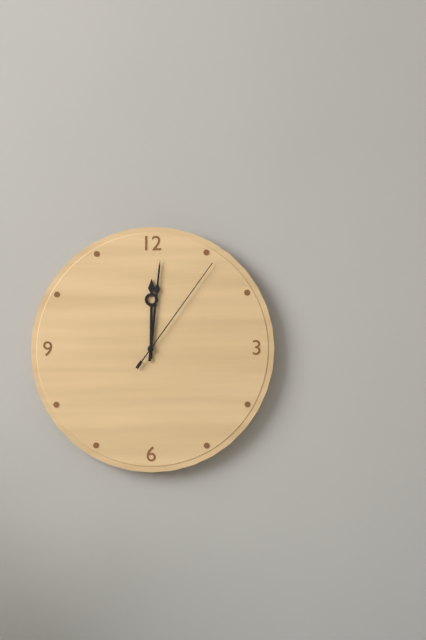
12.01.06
